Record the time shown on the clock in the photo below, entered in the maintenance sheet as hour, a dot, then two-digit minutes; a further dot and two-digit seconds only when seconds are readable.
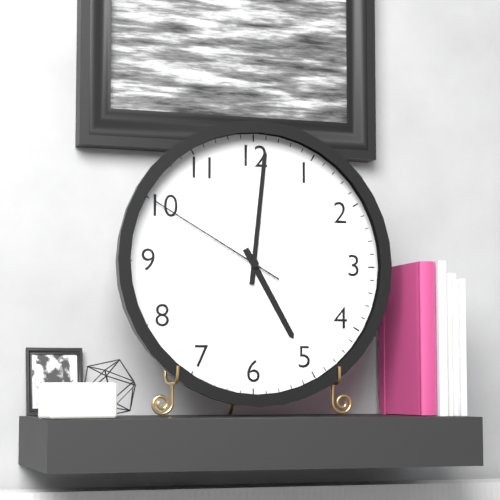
5.01.50
